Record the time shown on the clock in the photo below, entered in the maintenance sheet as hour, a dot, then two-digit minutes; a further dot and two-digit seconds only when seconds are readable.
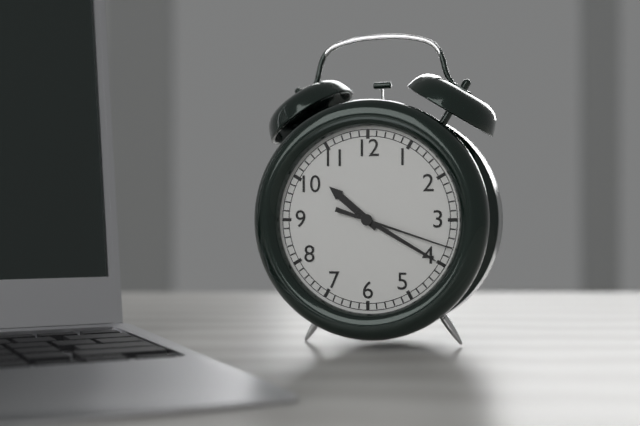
10.20.18
